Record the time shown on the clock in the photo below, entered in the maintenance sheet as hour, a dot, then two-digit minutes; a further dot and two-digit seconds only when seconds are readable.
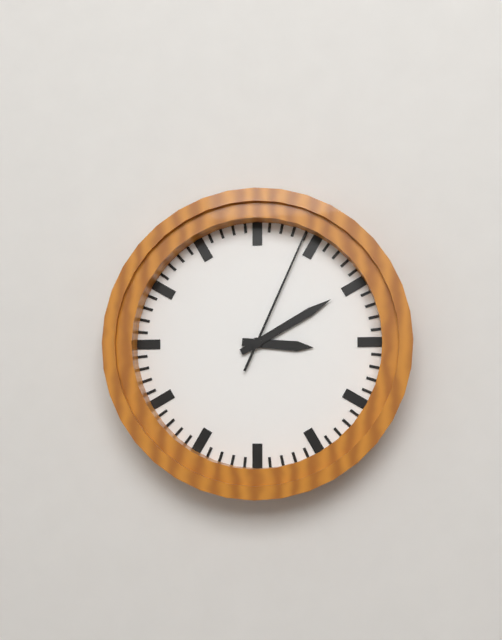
3.10.04
